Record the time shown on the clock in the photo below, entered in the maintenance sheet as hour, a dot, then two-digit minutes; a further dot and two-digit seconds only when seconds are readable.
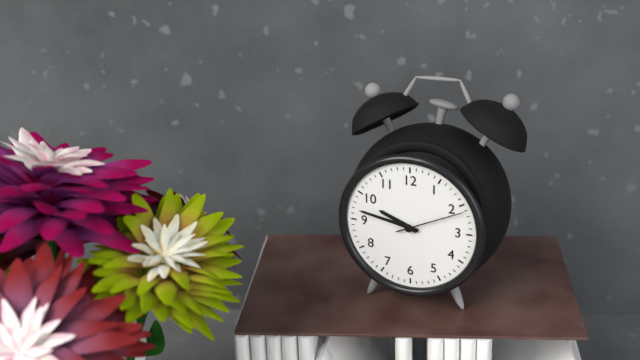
9.47.11
